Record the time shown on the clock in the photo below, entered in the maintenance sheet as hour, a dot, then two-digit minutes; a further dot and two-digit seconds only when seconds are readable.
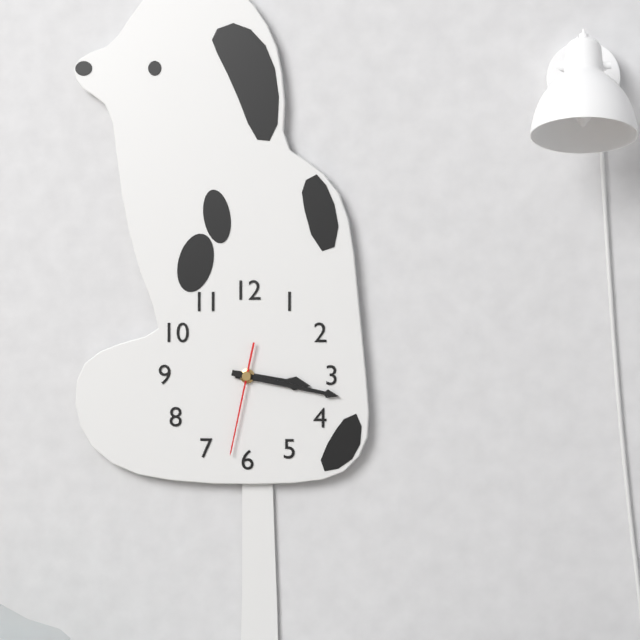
3.17.32
